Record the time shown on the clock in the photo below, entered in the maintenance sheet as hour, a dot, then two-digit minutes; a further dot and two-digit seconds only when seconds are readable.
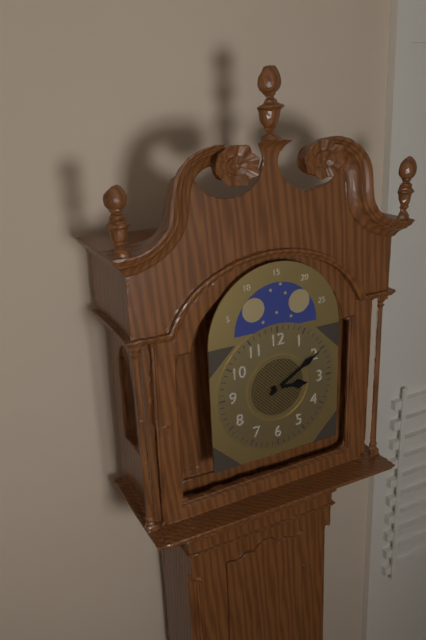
3.10
